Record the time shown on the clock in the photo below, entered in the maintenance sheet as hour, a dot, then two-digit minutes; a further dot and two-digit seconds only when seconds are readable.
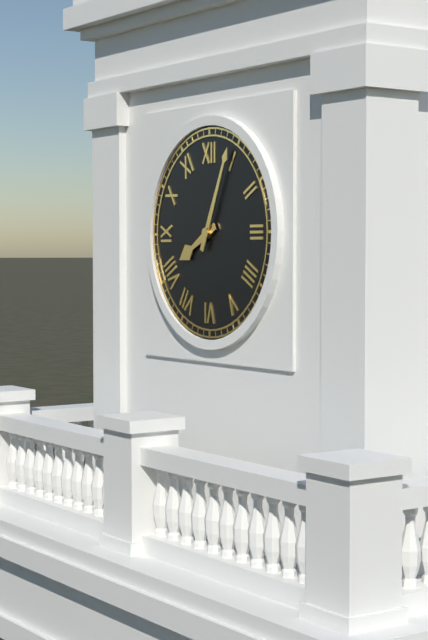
8.04
